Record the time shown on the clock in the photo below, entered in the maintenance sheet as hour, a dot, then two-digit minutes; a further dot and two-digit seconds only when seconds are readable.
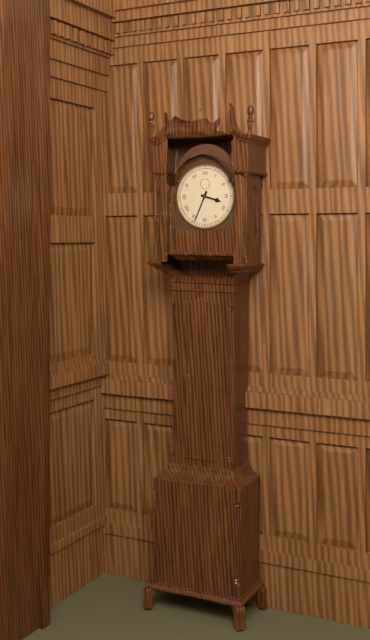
3.34
